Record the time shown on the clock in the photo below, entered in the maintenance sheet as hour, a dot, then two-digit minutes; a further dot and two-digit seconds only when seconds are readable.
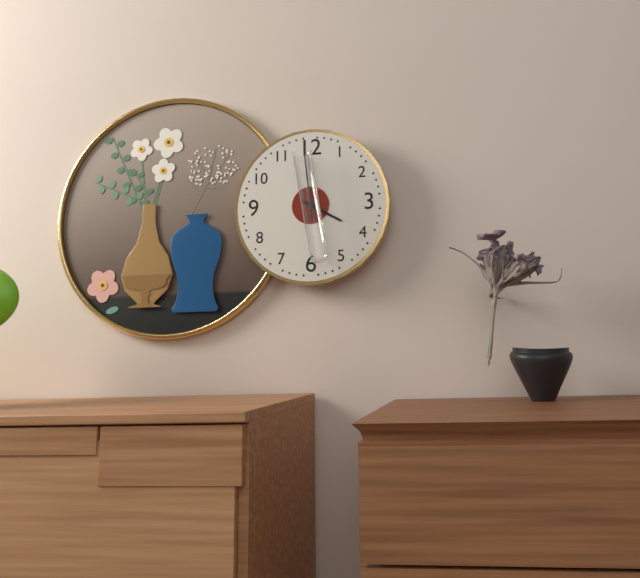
3.59
